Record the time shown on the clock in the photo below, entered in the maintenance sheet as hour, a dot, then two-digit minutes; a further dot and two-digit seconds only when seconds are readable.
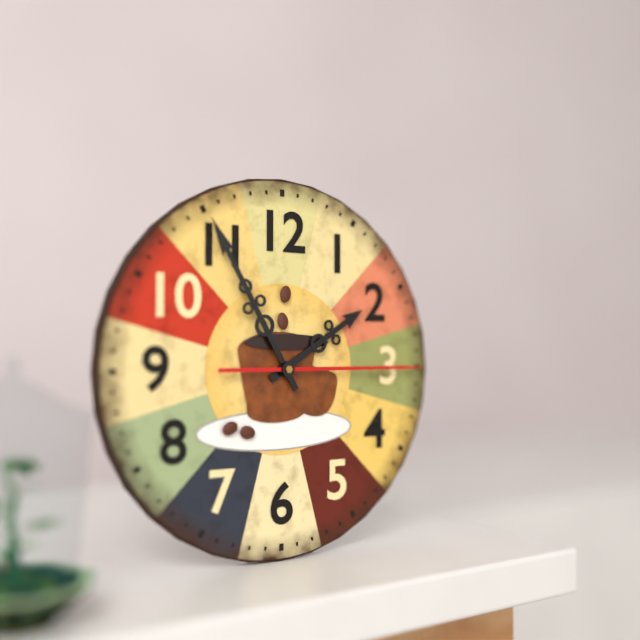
1.55.15
